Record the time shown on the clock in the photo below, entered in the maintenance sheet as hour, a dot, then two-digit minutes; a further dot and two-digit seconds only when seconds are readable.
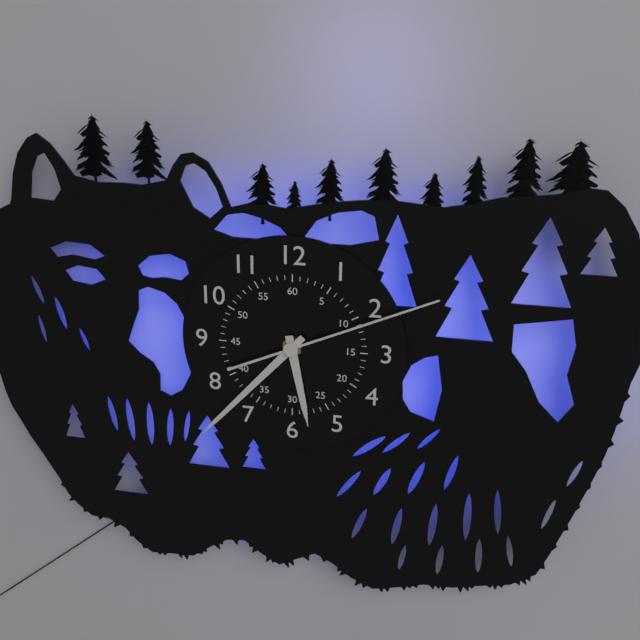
5.37.11
